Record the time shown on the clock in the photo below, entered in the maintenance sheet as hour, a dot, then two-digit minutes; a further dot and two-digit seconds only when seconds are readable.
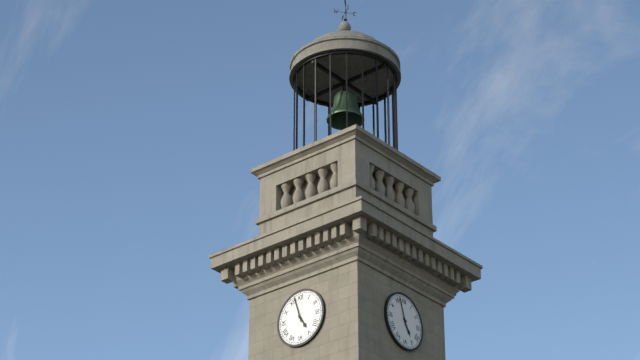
4.57
